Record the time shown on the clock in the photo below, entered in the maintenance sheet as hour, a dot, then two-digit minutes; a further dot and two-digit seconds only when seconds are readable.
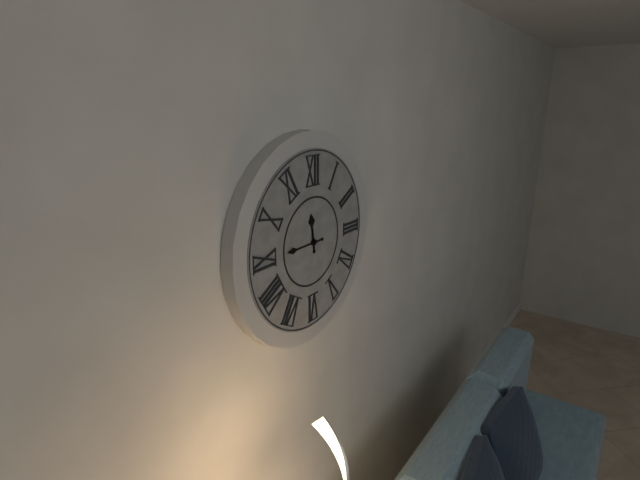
11.45
